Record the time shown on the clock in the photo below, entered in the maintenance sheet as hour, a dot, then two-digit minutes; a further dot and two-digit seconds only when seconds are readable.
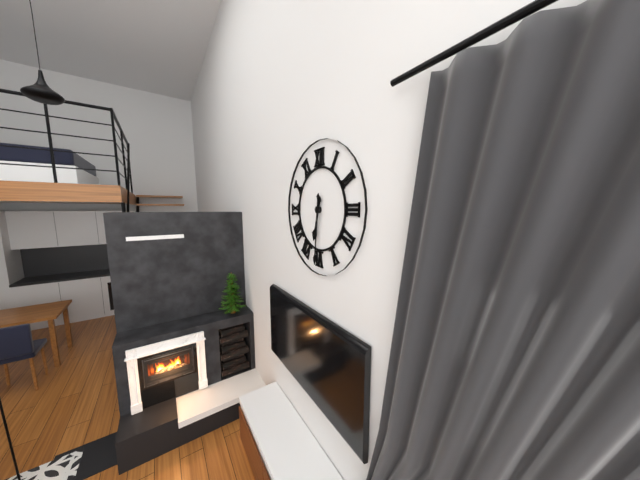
6.31
